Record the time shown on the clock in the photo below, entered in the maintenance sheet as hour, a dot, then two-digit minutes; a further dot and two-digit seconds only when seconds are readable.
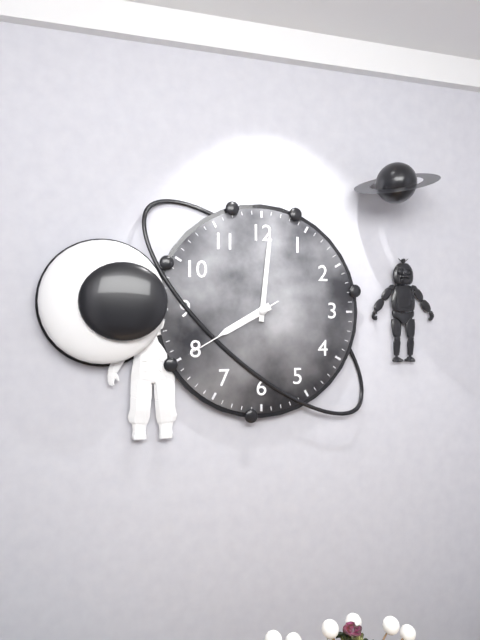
8.01.40
